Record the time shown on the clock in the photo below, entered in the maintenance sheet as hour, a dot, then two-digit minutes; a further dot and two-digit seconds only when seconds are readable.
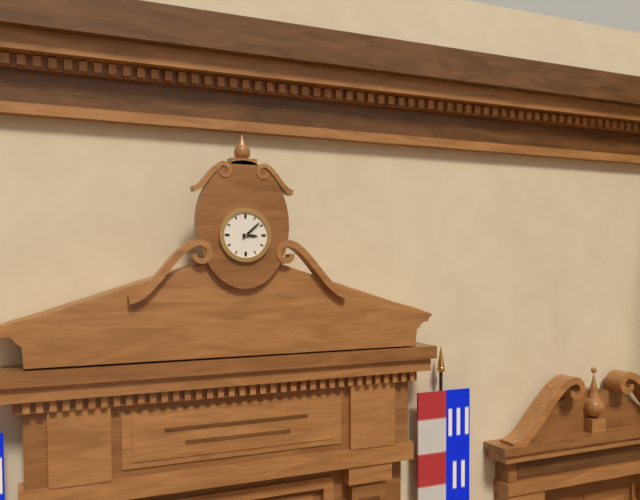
3.08
